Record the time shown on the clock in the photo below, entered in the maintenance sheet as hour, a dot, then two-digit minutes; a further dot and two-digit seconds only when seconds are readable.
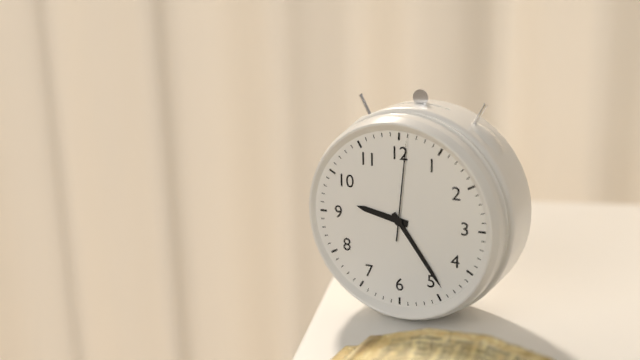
9.24.01
